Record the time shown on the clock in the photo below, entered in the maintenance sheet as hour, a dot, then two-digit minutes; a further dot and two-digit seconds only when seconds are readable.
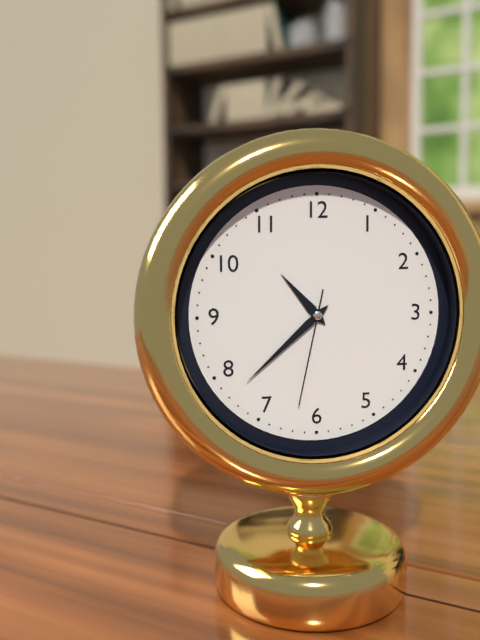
10.38.32
